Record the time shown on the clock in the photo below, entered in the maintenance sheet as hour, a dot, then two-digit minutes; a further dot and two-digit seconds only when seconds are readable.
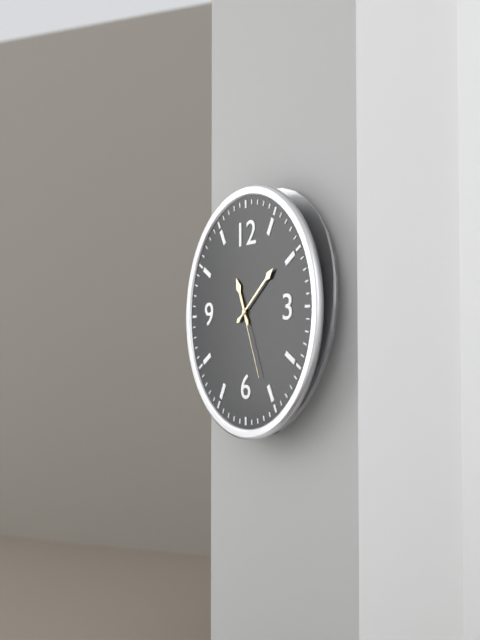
11.09.26
